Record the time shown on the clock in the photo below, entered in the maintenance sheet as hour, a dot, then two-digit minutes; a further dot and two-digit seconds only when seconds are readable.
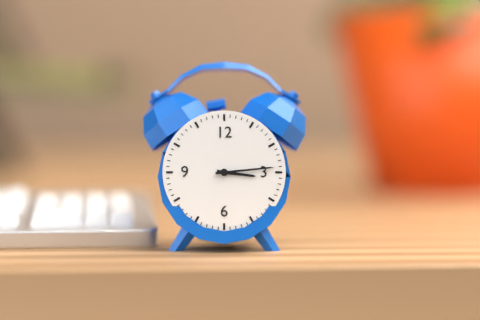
3.14
